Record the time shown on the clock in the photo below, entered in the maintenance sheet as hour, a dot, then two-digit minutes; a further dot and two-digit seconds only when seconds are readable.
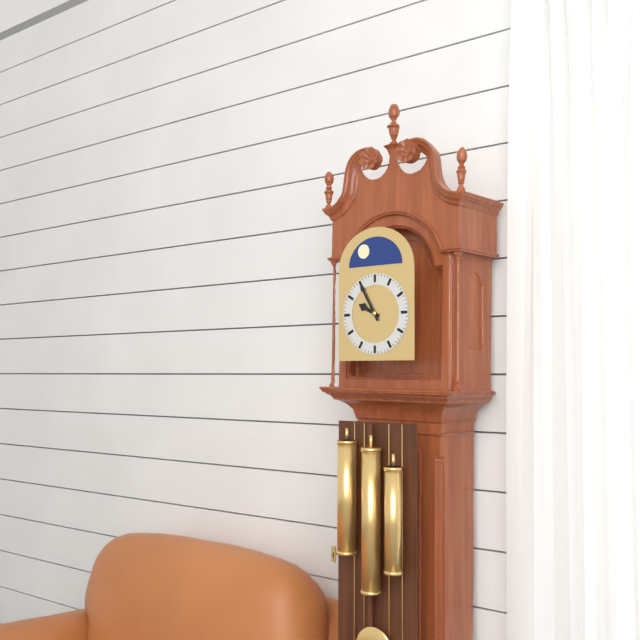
9.55
